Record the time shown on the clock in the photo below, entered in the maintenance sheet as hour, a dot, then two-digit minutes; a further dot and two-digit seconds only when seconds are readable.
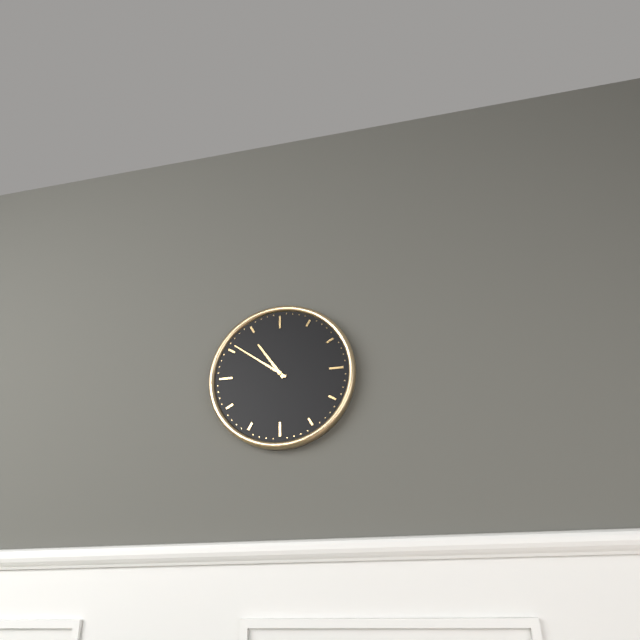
10.51
